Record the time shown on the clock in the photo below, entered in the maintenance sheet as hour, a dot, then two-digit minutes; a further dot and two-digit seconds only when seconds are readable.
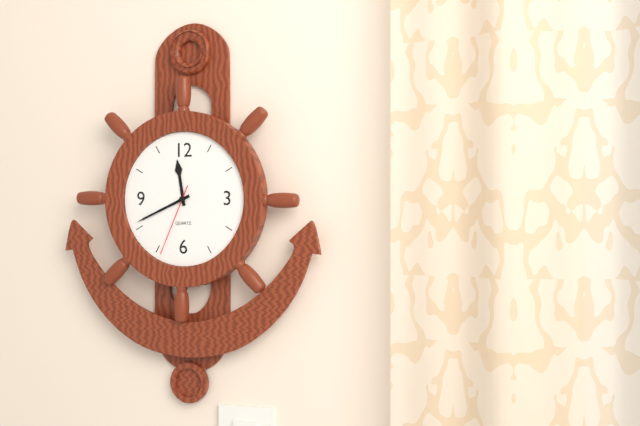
11.41.34
